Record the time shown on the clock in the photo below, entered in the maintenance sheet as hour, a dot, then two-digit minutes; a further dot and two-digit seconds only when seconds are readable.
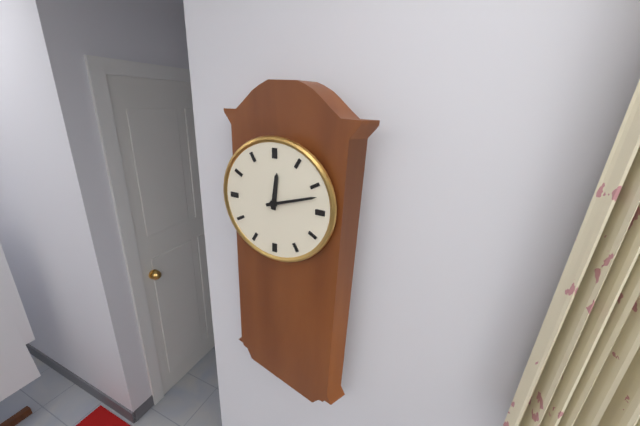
12.12
